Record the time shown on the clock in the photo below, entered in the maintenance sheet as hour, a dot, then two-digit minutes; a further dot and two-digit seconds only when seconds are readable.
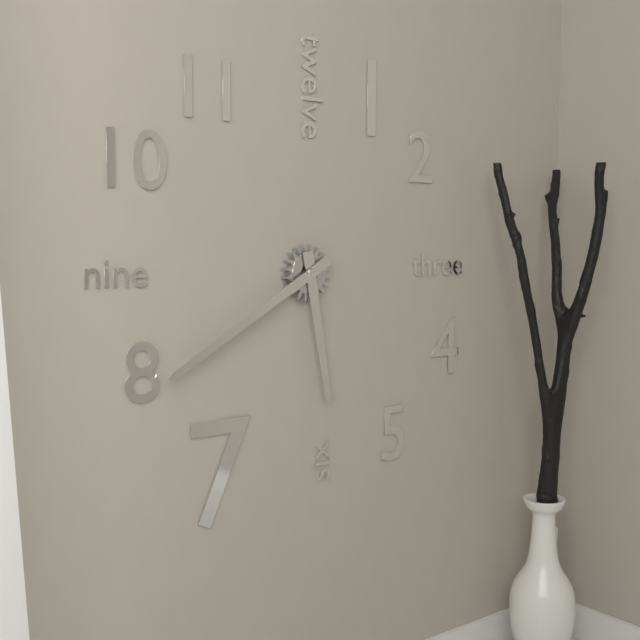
5.40
